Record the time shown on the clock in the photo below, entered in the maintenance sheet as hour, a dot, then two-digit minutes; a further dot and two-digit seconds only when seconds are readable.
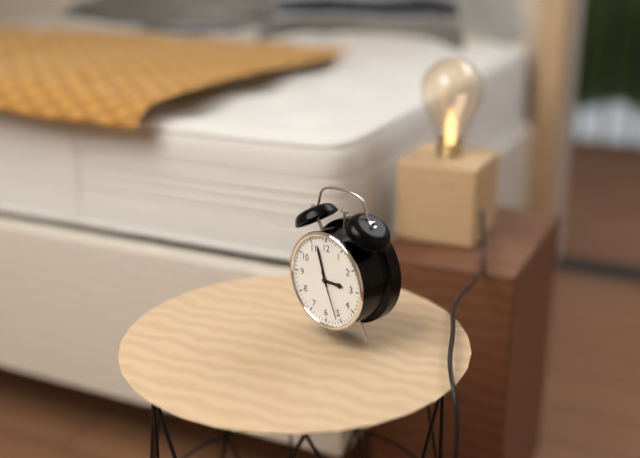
2.57.26
